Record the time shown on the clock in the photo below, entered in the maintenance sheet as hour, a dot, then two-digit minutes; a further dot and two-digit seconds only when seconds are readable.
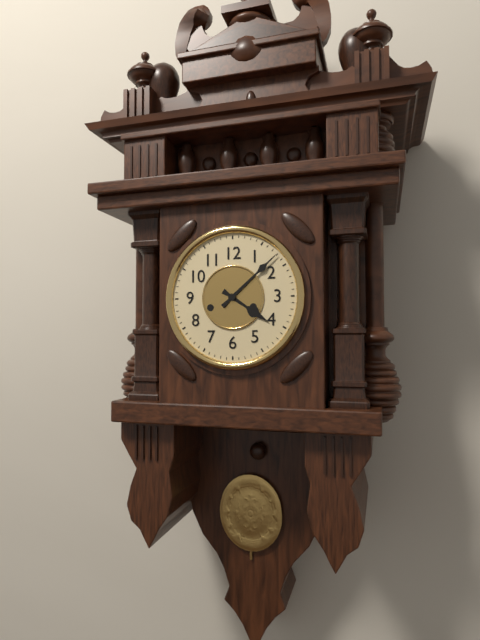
4.08
